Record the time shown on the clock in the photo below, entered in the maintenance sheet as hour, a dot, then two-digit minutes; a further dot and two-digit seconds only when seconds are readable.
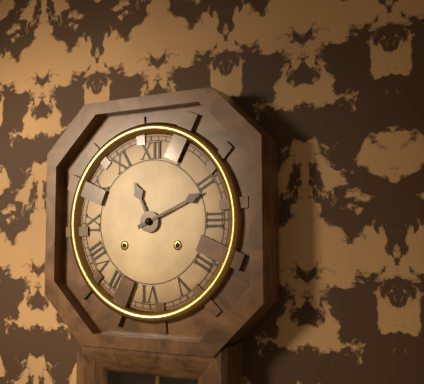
11.11
